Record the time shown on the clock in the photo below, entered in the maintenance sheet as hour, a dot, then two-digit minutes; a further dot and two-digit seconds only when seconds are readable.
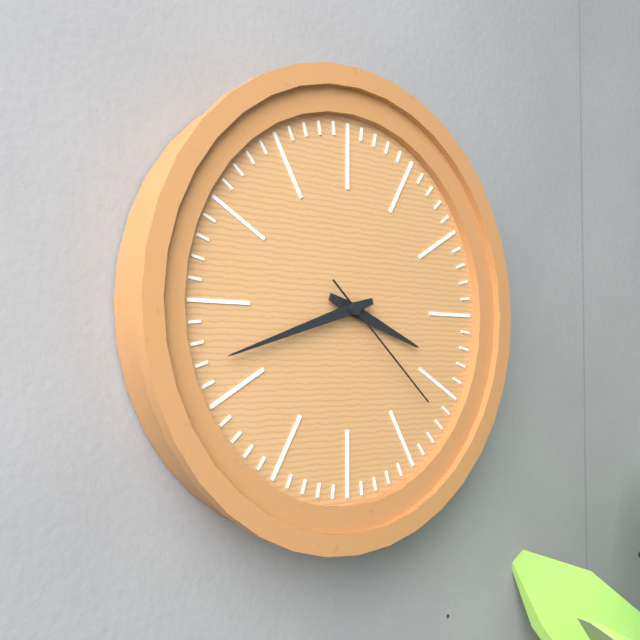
3.42.22
